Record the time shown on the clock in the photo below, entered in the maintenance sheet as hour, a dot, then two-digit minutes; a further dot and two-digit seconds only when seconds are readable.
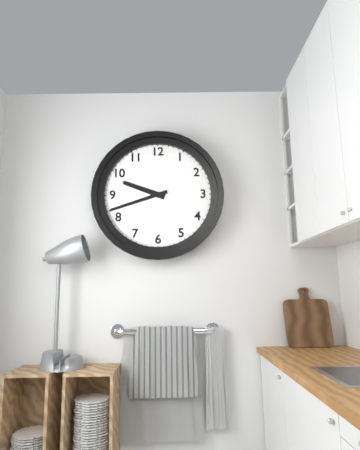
9.42
